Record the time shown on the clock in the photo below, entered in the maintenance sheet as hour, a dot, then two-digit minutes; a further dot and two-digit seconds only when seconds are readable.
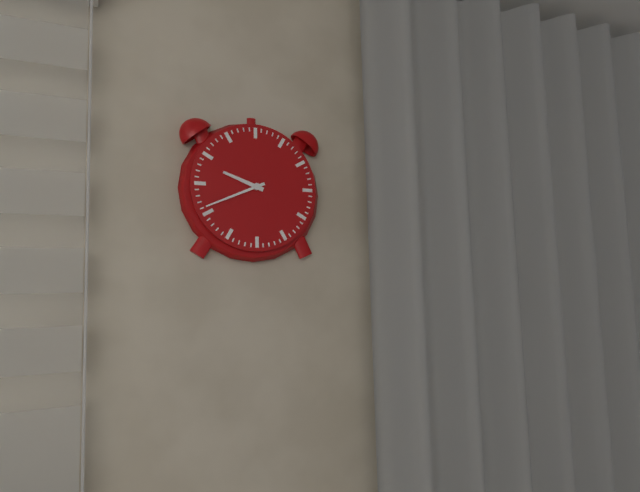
9.41
